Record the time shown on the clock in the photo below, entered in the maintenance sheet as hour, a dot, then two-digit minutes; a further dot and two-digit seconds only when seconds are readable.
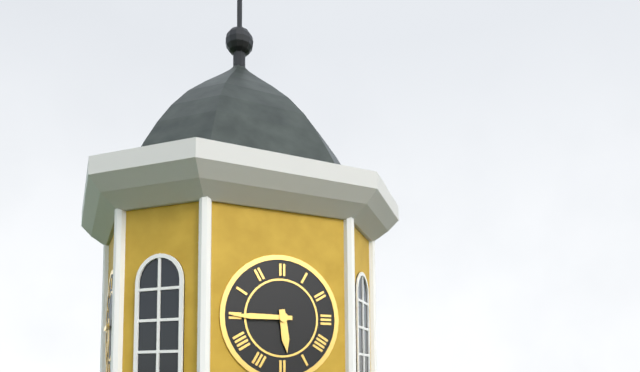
5.45
